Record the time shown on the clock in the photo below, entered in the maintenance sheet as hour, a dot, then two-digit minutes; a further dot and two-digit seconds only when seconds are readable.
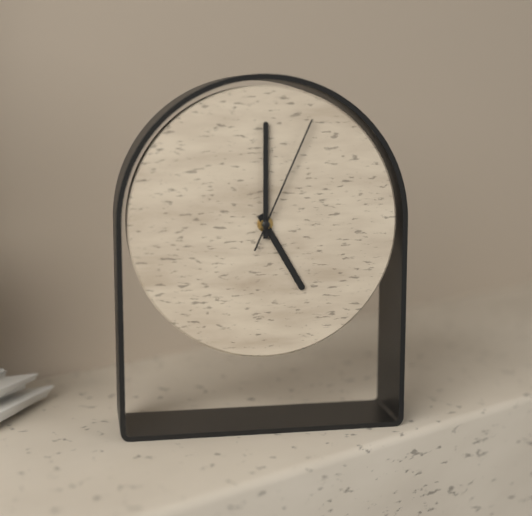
5.00.04
